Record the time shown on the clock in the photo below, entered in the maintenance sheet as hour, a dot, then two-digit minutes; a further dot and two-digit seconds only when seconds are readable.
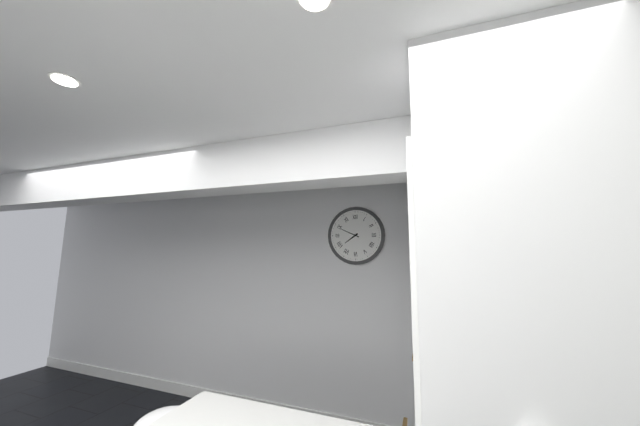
7.49
